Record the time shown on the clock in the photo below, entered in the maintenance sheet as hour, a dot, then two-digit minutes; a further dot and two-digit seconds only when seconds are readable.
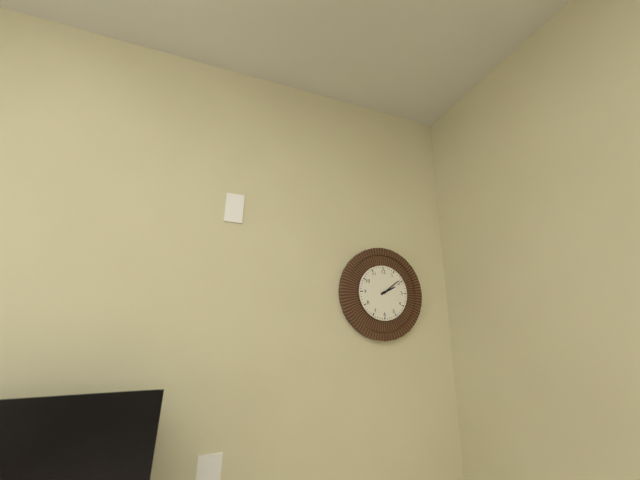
2.09
